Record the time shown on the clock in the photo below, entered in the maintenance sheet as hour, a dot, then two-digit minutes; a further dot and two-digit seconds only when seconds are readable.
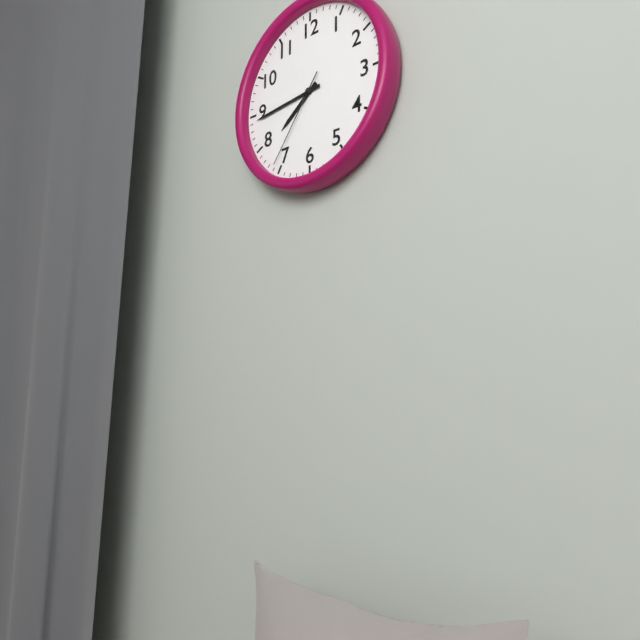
7.44.36
